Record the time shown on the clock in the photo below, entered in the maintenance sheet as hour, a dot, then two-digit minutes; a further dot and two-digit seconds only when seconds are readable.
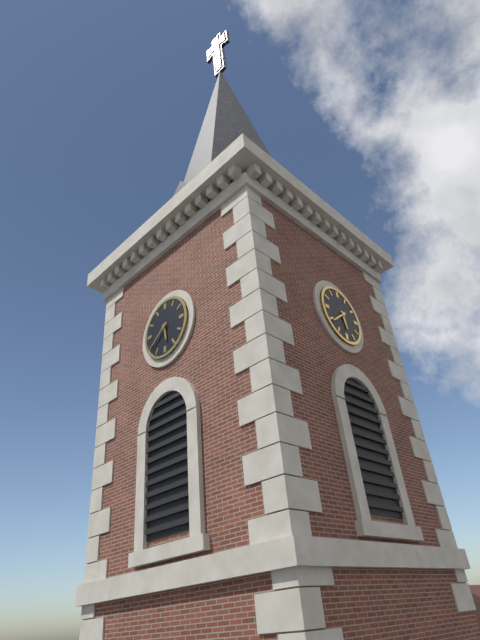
5.39
